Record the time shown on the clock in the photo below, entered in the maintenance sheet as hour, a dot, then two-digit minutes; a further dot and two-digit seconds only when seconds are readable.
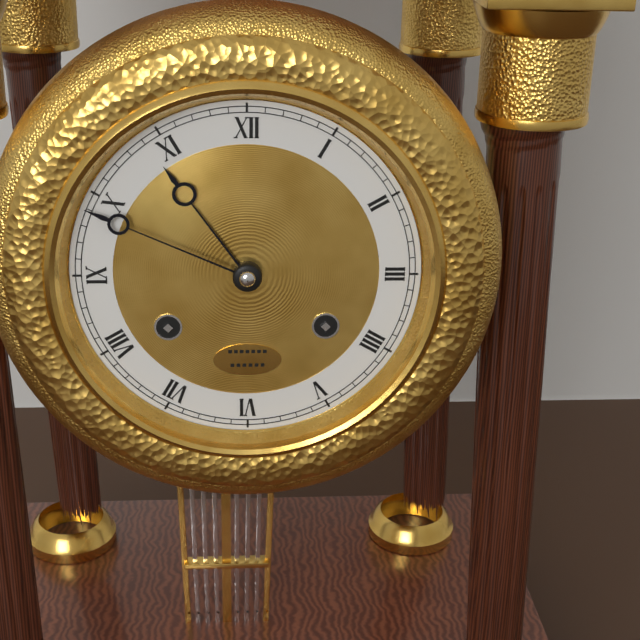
10.49
